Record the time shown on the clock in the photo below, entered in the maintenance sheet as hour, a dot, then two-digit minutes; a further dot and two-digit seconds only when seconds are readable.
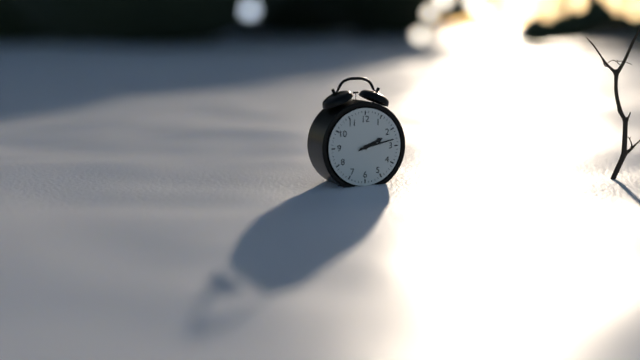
2.13
